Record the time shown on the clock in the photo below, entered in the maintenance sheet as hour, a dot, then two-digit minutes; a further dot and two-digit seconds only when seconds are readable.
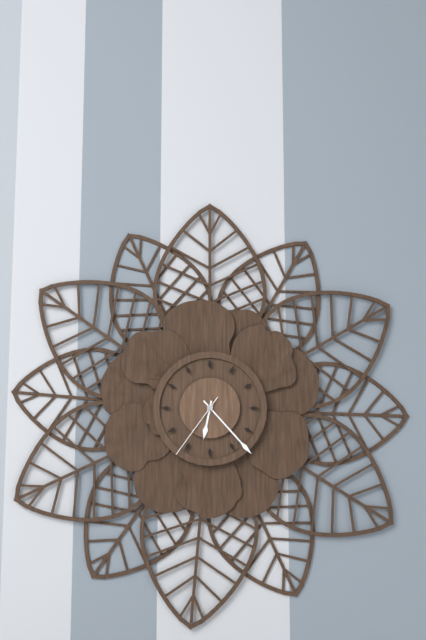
6.23.36
